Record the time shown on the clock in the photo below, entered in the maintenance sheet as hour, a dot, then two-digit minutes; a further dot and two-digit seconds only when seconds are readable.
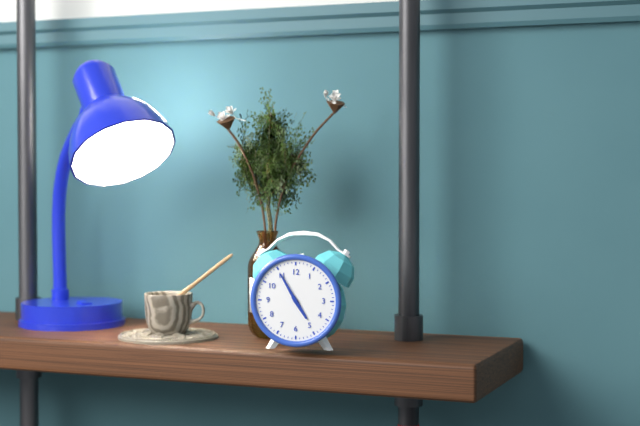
4.55
